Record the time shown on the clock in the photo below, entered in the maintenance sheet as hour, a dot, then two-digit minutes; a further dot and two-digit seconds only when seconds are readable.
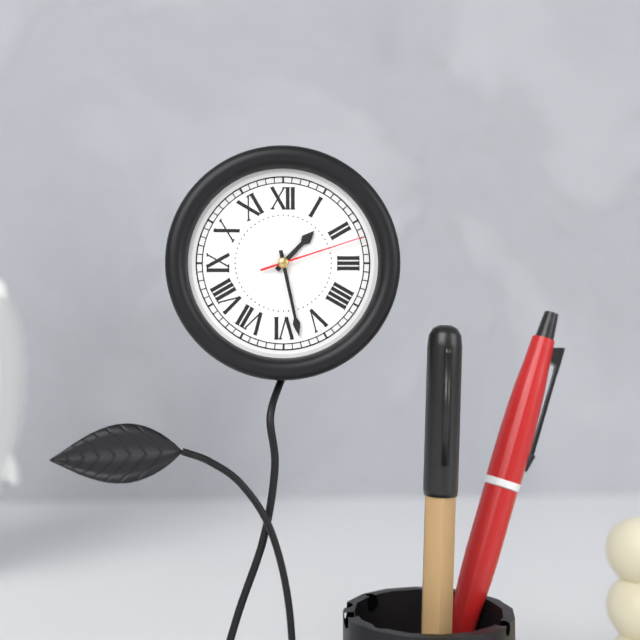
1.28.12
